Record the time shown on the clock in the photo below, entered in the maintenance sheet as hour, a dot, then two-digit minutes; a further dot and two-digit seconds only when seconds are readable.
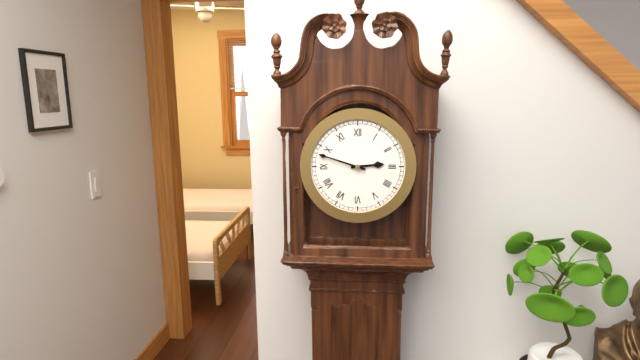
2.48
